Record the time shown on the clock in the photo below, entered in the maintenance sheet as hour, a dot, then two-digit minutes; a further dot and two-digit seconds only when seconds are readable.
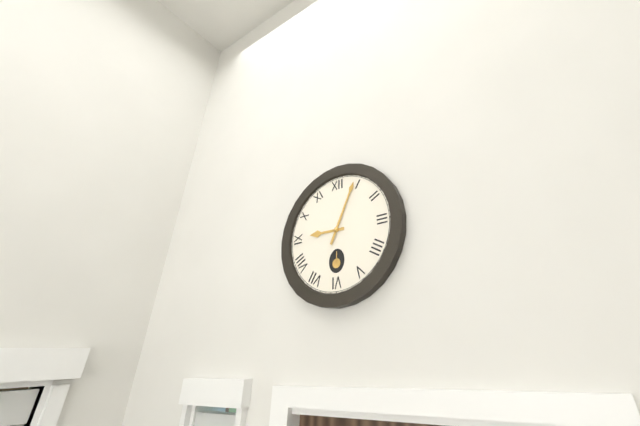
9.04
